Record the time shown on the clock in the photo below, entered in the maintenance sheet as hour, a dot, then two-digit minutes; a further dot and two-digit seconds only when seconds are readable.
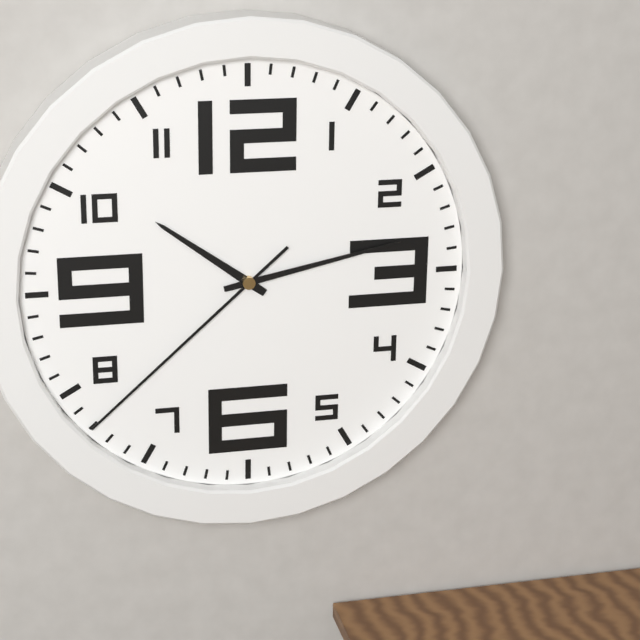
10.13.38
